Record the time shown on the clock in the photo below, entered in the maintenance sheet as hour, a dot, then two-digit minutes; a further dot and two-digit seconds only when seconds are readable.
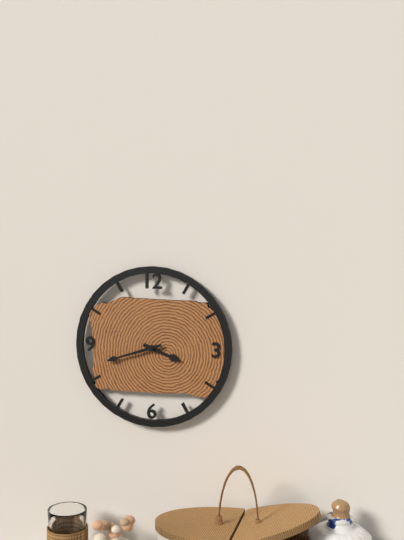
3.42
